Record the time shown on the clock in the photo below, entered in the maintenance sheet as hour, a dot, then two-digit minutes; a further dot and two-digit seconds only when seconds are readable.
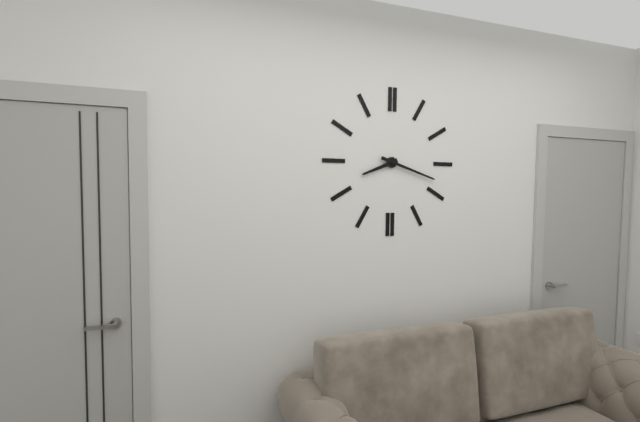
8.18
